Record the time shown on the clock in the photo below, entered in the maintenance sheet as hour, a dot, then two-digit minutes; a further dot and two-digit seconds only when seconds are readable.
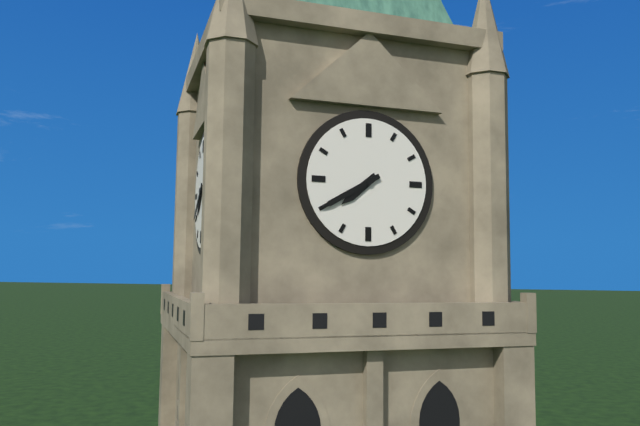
7.40
